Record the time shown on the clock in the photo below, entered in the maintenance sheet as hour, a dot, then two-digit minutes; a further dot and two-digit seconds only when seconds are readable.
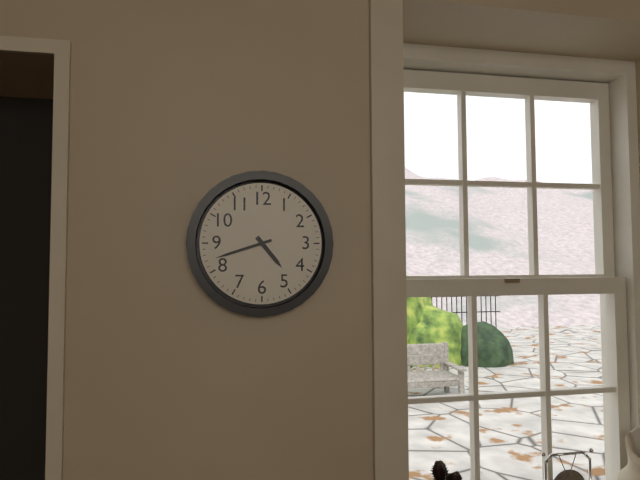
4.42
